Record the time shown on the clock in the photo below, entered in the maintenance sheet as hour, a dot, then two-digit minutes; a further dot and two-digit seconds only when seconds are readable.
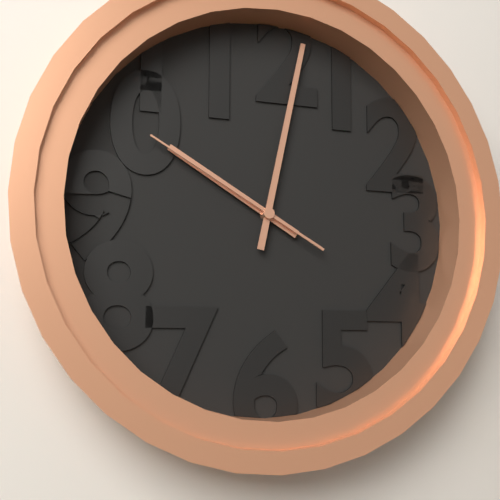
10.02.50
